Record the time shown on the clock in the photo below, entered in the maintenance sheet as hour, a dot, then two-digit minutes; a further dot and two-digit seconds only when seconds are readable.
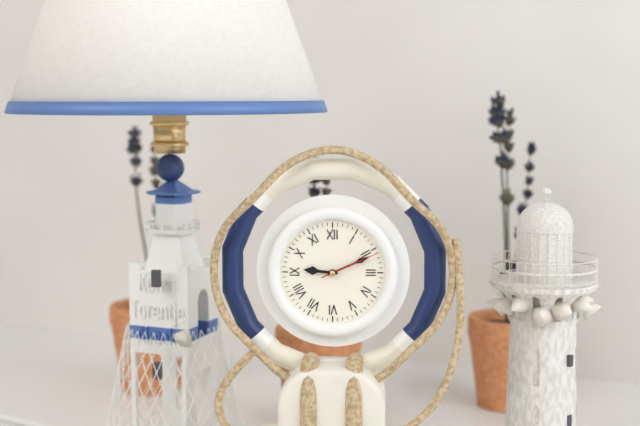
9.11.11
